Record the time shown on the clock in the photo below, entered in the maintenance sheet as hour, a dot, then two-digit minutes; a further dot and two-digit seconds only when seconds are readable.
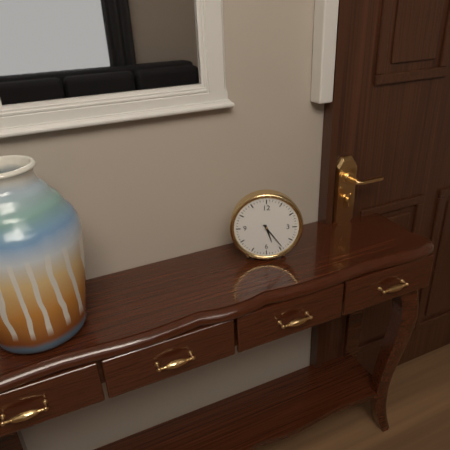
5.24
